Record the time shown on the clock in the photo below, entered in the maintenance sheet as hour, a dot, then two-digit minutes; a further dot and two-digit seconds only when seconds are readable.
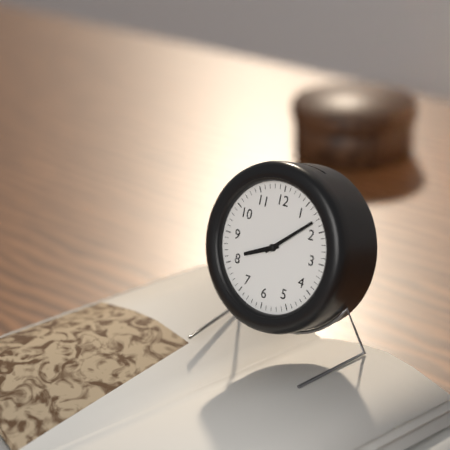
8.08
